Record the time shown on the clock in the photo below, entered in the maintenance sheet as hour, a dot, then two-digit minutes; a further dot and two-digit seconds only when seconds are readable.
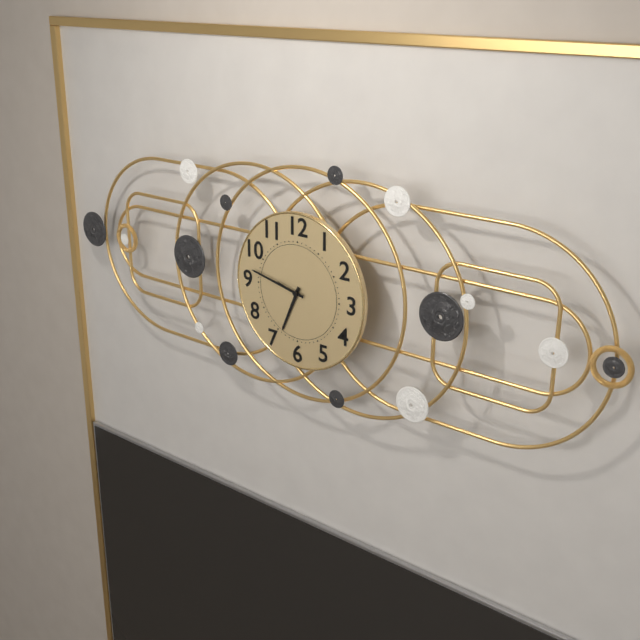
6.47
